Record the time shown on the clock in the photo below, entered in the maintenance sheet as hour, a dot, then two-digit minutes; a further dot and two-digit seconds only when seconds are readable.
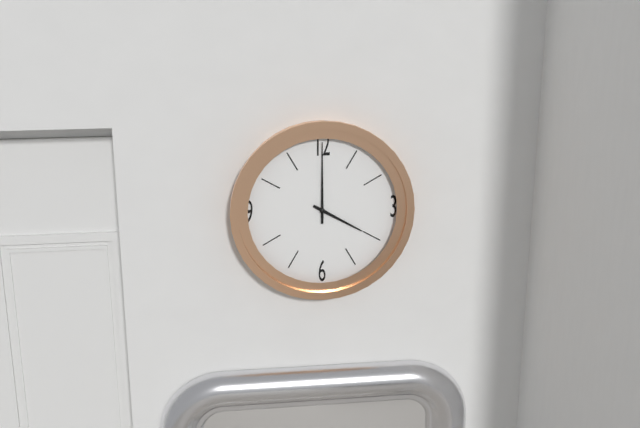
4.00
